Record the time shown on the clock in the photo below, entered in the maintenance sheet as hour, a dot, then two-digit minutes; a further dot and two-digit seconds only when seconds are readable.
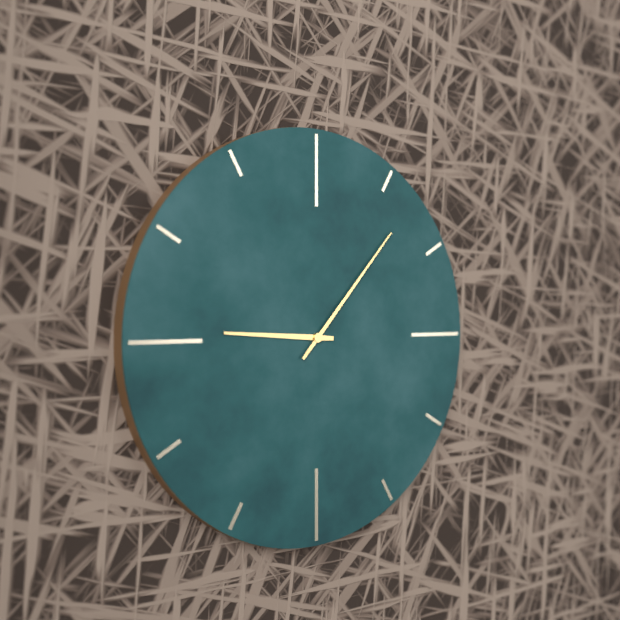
9.07
